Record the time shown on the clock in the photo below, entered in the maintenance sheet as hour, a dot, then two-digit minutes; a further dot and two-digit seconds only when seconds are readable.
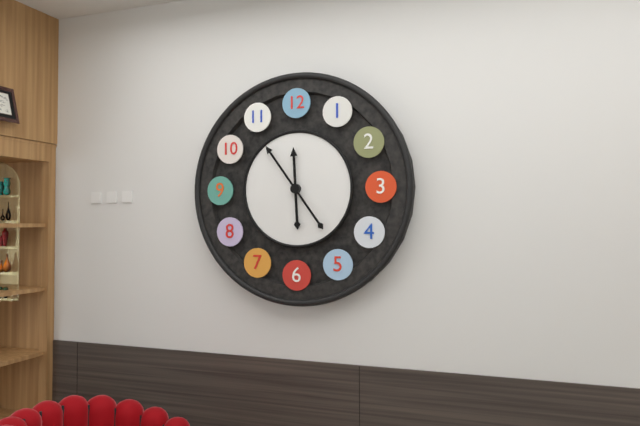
11.54
